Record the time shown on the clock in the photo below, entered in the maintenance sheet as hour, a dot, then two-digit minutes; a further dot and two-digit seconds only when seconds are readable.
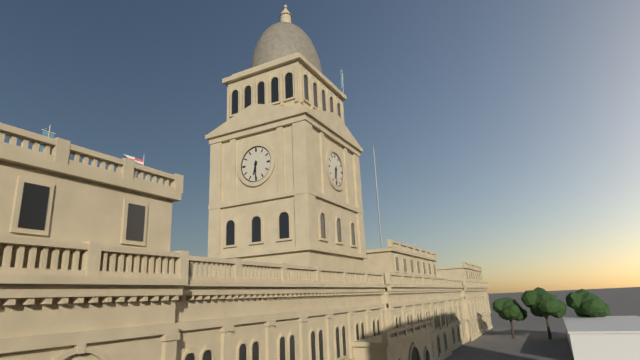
6.30
